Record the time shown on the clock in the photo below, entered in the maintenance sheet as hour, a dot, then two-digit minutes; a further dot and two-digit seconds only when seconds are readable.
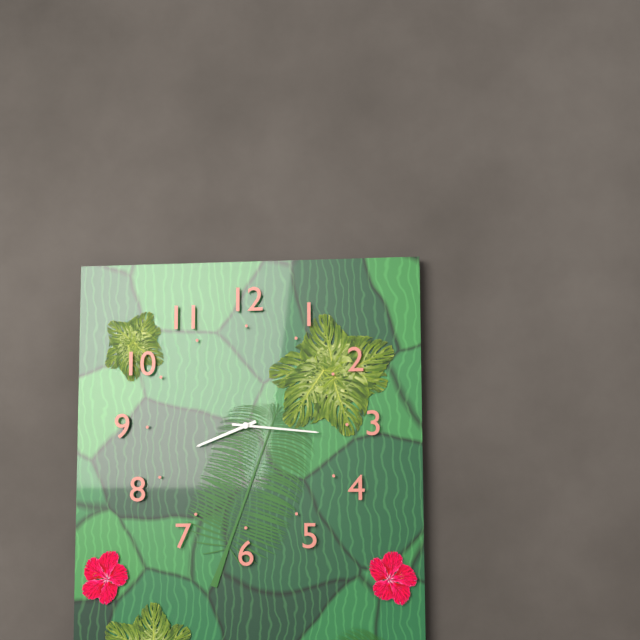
8.16
